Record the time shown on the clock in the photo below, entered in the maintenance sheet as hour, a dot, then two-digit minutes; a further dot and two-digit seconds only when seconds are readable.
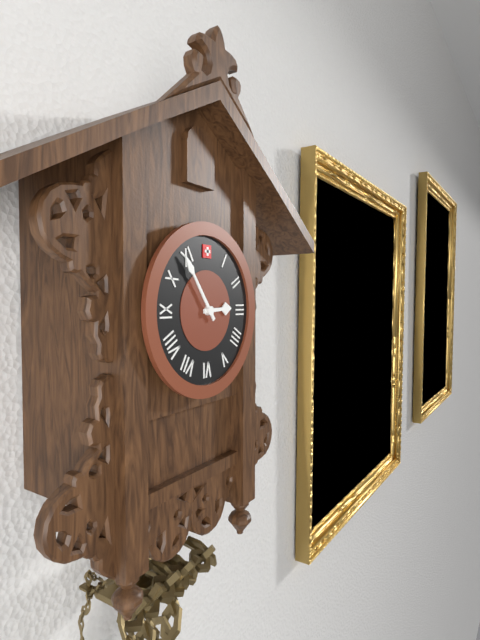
2.54
